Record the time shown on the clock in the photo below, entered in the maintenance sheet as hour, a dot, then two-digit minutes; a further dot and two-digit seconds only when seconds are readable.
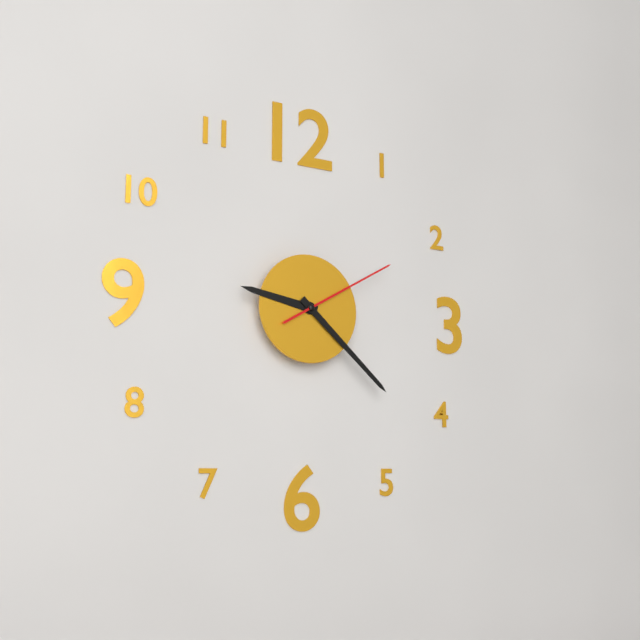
9.22.10
